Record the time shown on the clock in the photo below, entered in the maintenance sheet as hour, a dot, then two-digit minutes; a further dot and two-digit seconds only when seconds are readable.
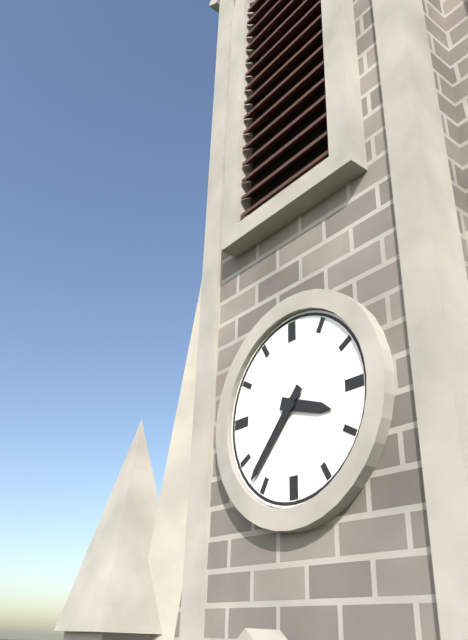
3.37
